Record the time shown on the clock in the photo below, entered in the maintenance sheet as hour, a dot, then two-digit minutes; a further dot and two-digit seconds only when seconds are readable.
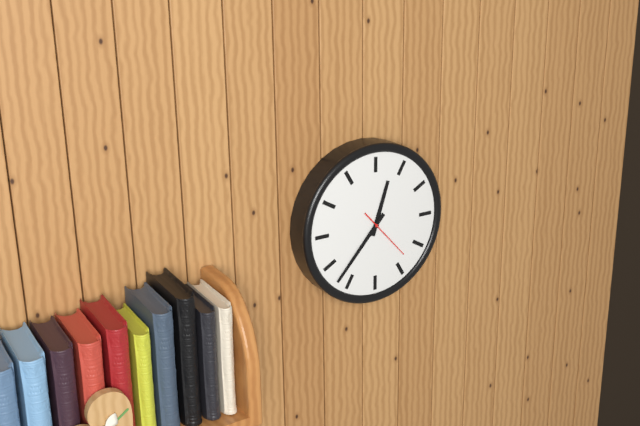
12.37.23
